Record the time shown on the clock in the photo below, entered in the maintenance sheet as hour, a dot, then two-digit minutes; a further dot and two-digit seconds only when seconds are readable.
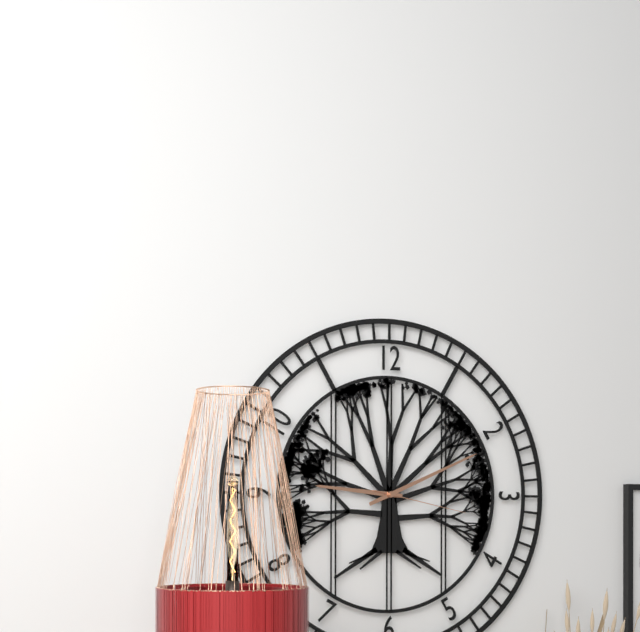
9.11.17
